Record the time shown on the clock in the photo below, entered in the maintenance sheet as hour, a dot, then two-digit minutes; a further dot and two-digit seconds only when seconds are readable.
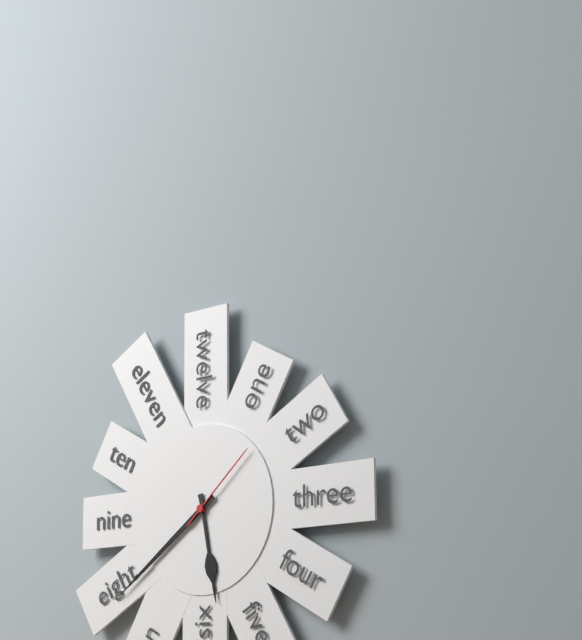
5.39.08
